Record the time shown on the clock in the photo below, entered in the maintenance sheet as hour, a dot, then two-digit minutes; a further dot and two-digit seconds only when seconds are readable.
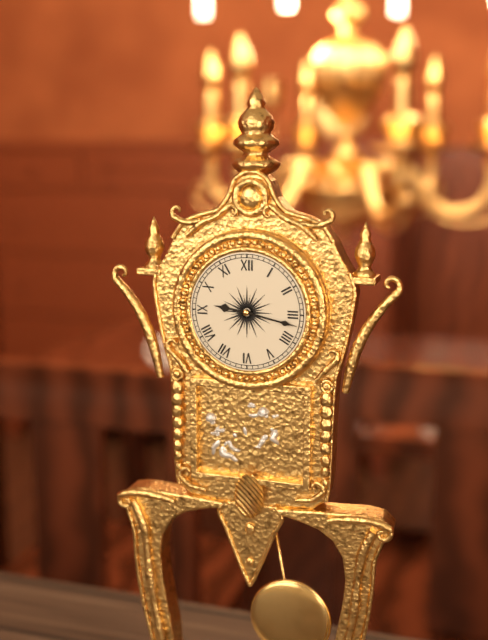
9.17
